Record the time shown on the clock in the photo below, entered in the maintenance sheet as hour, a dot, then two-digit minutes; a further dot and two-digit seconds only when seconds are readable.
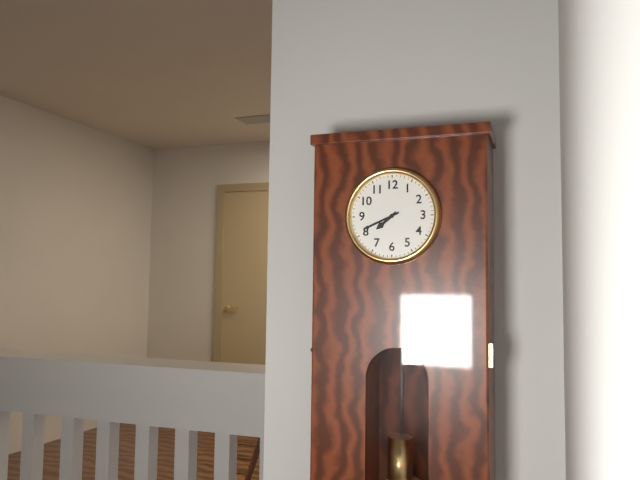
7.41
